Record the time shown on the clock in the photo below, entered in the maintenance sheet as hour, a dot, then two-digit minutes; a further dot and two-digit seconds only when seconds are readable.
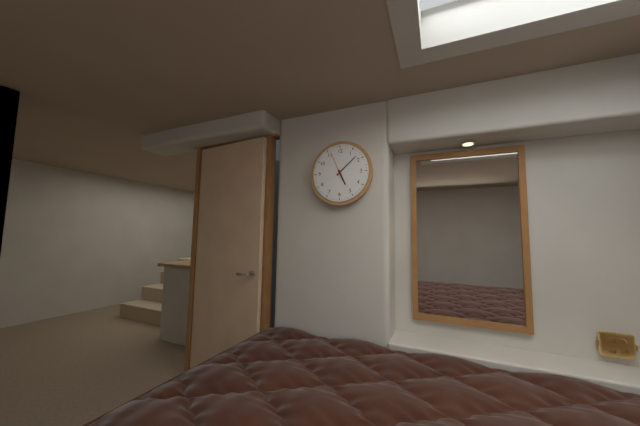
5.08
